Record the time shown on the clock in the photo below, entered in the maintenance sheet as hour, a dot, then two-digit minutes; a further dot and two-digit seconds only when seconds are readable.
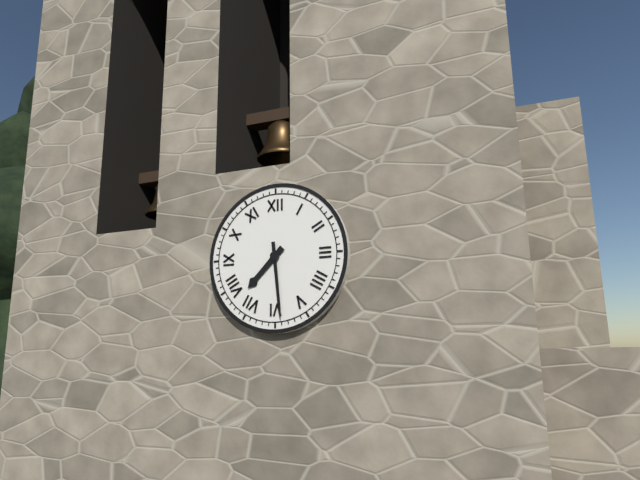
7.29
